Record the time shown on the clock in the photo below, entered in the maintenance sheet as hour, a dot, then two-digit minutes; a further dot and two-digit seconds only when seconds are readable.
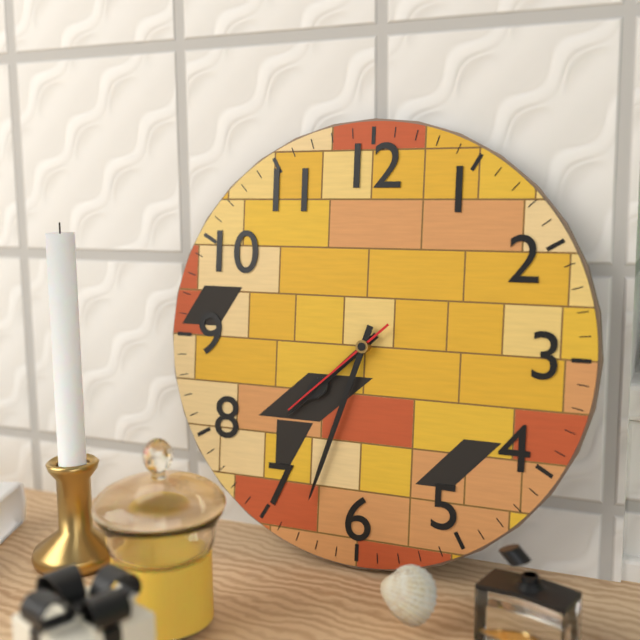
7.33.38
